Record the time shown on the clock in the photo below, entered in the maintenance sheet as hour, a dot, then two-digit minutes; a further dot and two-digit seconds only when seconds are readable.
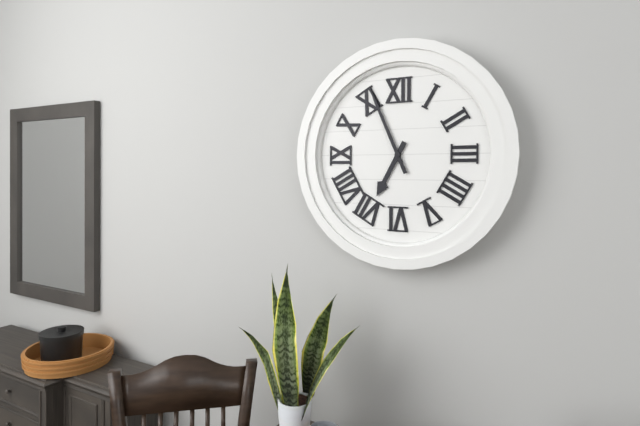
6.56
